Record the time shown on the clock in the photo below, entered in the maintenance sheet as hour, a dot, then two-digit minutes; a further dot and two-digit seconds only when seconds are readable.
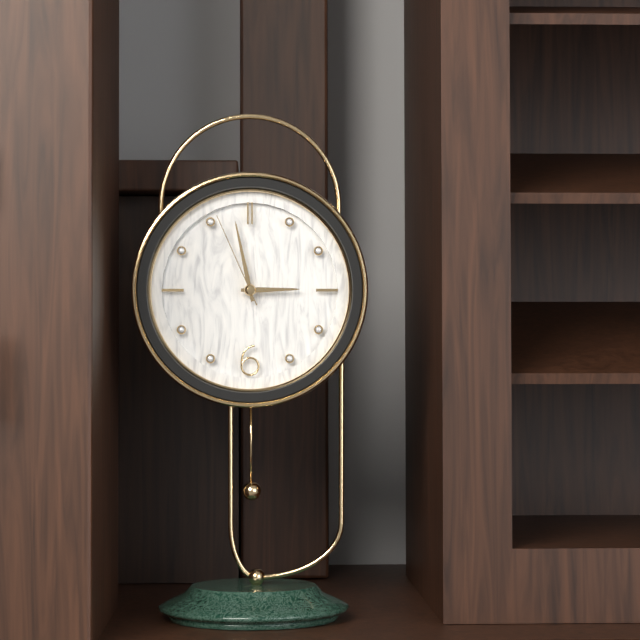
2.58.56
